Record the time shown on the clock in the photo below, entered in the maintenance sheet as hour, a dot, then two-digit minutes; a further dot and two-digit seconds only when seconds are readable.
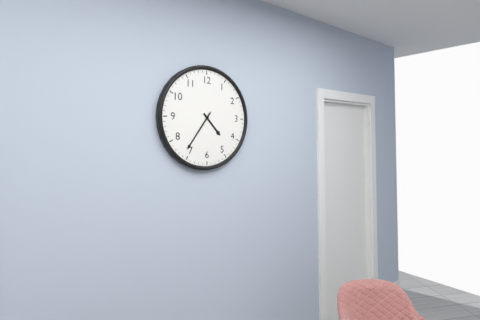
4.36
